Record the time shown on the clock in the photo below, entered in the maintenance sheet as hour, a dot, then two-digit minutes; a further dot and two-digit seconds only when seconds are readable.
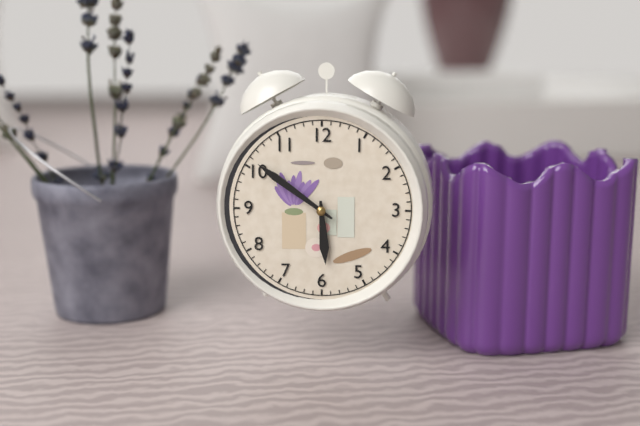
5.51
